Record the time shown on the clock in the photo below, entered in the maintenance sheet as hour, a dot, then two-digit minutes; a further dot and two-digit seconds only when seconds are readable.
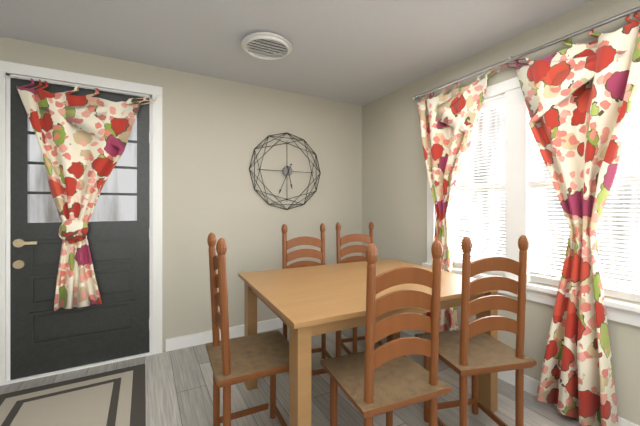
5.34
